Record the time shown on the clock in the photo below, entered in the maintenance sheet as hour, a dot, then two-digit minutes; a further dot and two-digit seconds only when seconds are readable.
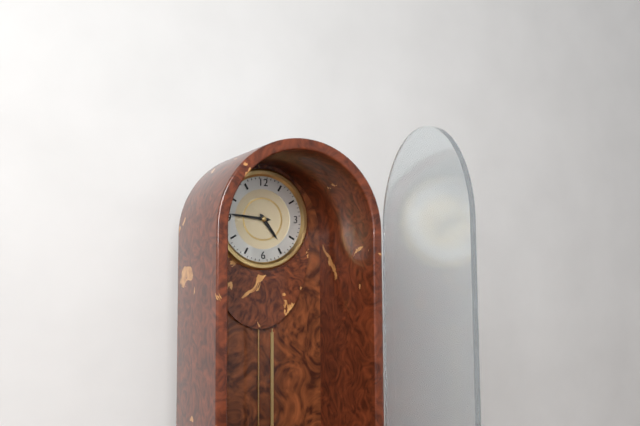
4.46
